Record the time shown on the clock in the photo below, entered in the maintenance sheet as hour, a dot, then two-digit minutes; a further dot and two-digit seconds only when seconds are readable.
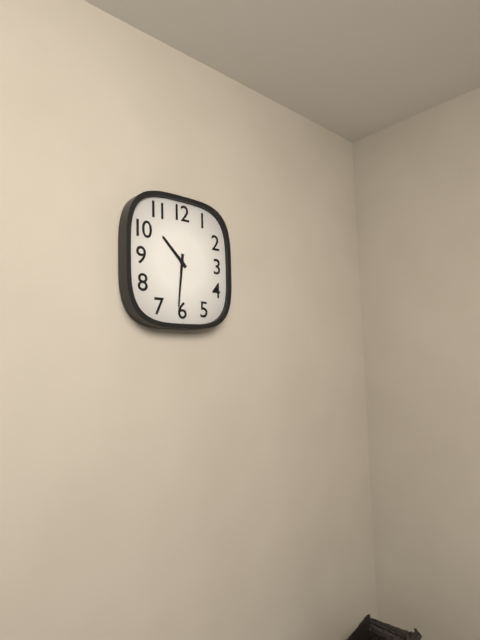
10.31
